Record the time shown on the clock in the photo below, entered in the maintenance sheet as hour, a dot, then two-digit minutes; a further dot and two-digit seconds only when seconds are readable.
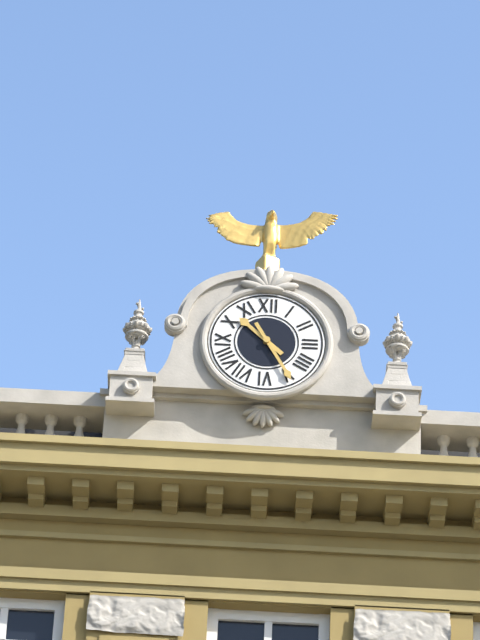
10.25
